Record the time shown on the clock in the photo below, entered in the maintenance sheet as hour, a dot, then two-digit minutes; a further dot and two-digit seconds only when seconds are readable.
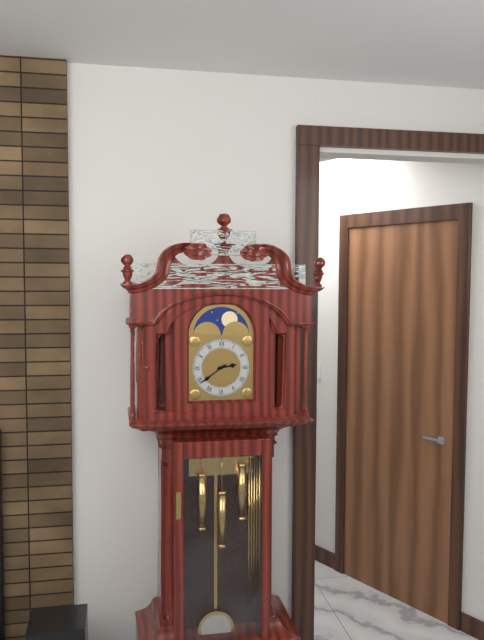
2.39
